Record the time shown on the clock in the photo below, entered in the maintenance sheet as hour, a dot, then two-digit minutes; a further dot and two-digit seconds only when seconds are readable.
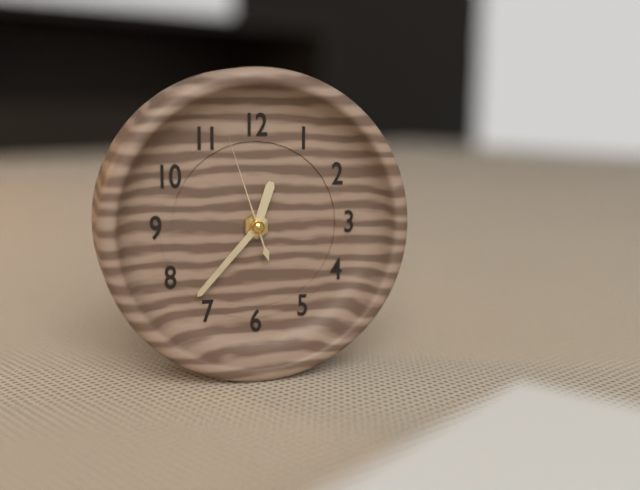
12.37.57
